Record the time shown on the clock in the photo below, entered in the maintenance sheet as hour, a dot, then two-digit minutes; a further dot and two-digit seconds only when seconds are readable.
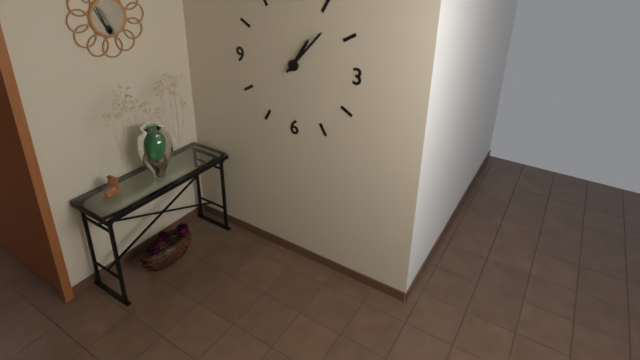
1.07
